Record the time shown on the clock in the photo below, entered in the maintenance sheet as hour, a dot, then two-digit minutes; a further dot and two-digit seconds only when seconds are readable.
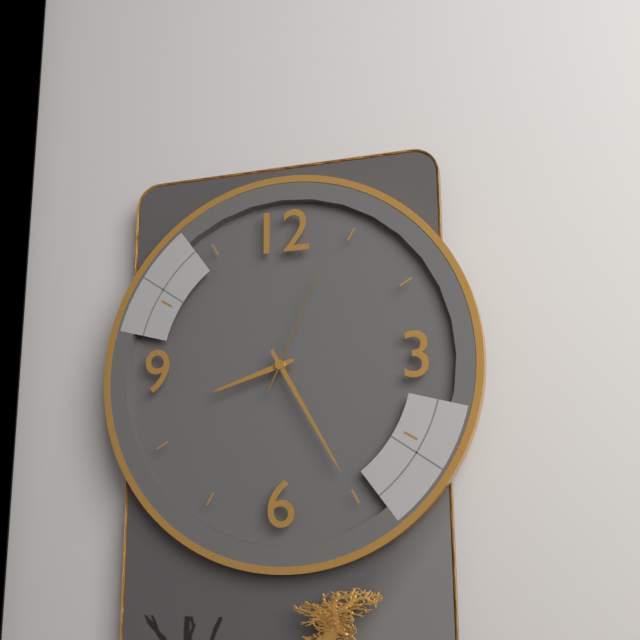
8.25.04
